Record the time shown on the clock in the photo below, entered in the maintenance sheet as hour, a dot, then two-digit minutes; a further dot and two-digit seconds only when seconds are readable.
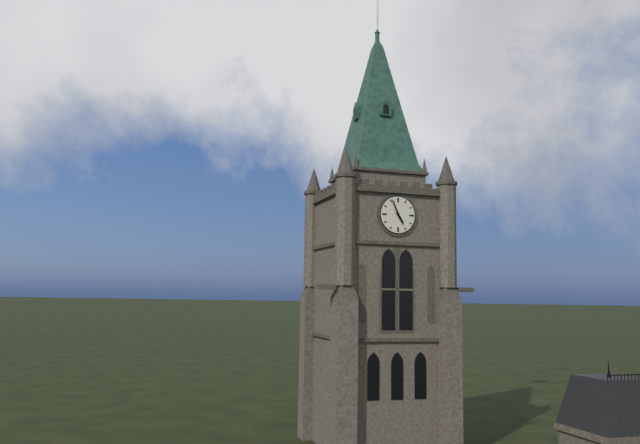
4.56
